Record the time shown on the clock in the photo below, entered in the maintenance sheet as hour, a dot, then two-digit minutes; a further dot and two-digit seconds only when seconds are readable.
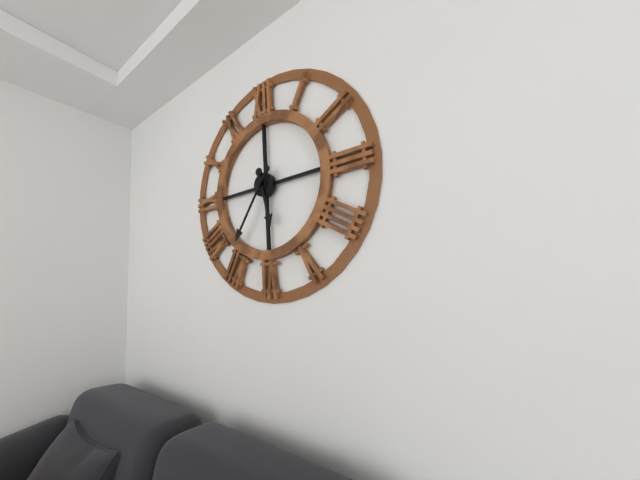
5.36
